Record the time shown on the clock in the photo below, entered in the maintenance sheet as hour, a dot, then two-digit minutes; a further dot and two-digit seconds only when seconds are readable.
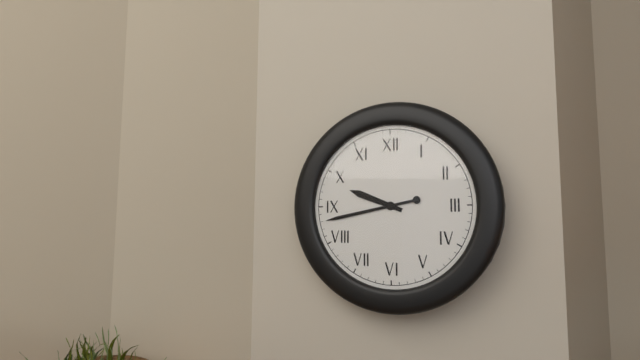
9.43
